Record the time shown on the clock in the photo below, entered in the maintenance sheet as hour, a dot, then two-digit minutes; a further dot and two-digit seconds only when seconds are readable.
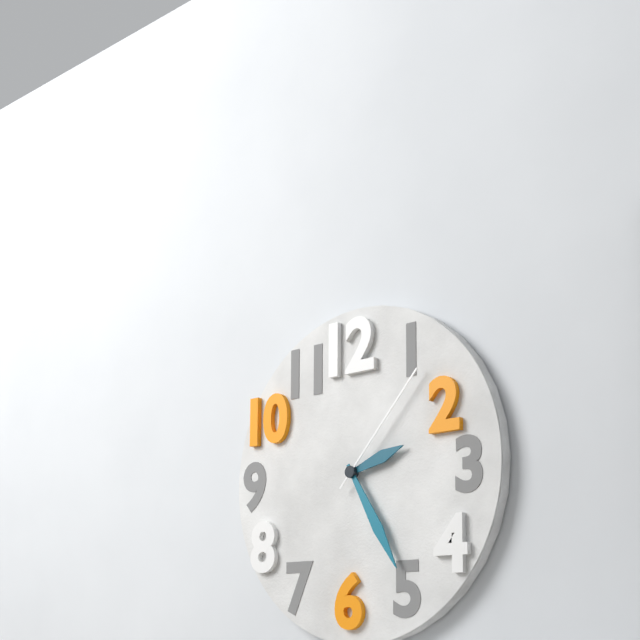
2.25.07
